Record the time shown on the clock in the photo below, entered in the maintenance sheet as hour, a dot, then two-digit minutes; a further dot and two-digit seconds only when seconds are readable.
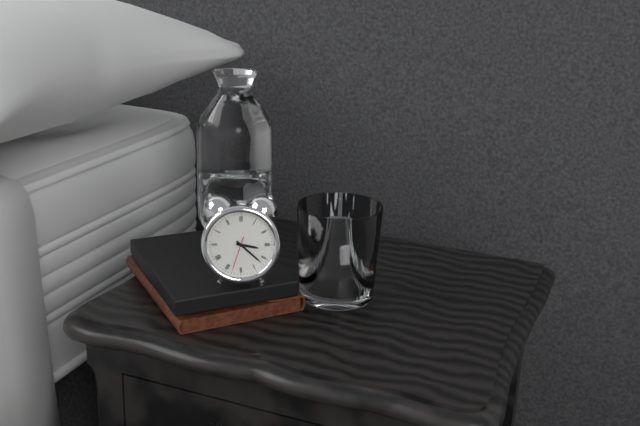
3.22
